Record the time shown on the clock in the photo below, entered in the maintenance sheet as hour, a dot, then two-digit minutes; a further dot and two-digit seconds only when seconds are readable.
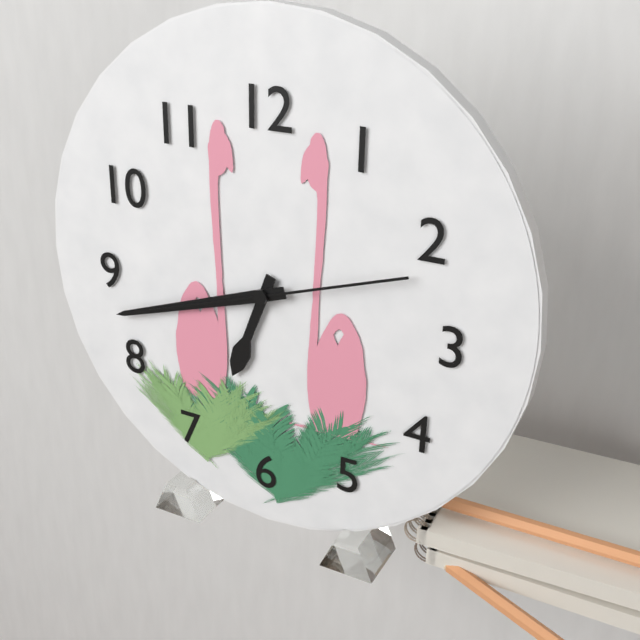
6.42.12
